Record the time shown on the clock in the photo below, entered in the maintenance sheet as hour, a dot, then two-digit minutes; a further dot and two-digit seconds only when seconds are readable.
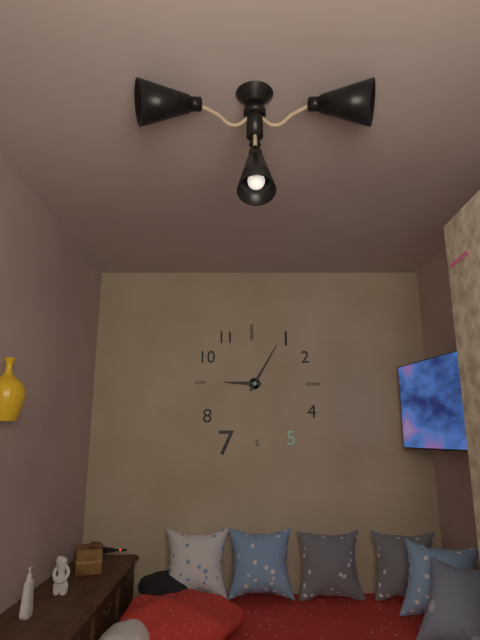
9.05
